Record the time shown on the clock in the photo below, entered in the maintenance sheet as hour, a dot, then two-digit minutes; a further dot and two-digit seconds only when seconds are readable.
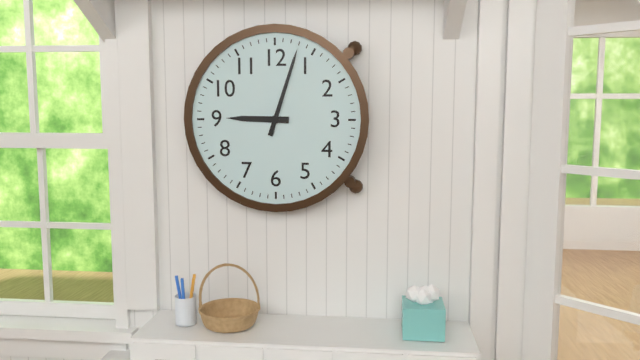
9.03
